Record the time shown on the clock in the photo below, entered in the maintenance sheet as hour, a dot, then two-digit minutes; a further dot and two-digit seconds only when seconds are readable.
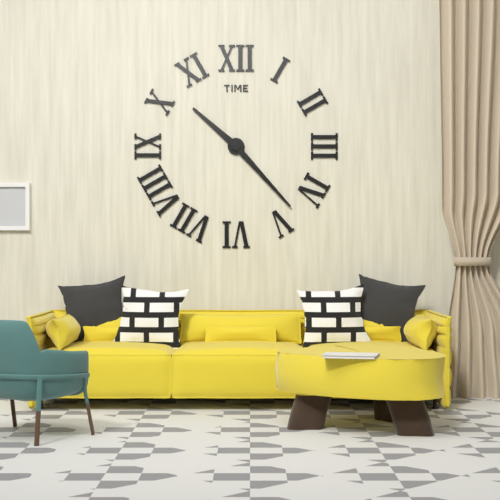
10.23
